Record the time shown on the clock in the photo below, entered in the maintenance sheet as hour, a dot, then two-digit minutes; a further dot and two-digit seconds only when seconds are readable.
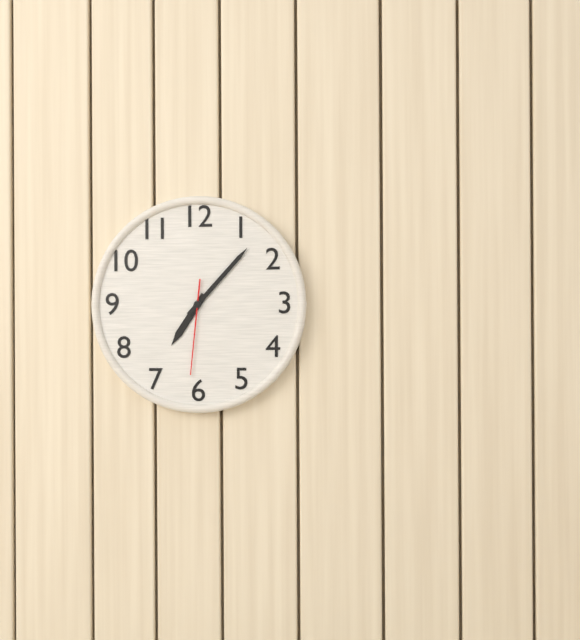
7.07.31
